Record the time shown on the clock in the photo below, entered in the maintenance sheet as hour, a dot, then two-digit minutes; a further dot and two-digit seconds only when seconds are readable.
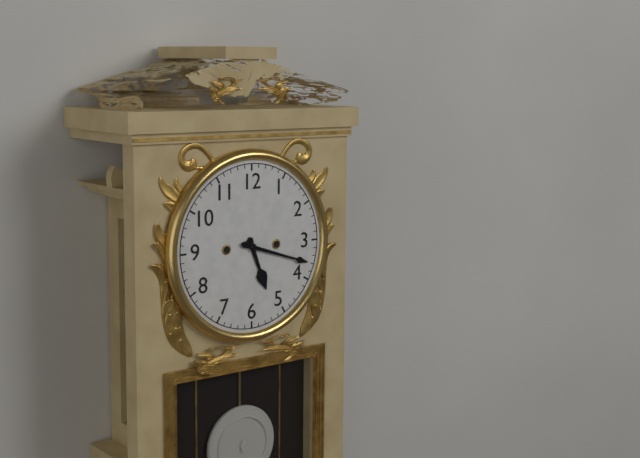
5.18
